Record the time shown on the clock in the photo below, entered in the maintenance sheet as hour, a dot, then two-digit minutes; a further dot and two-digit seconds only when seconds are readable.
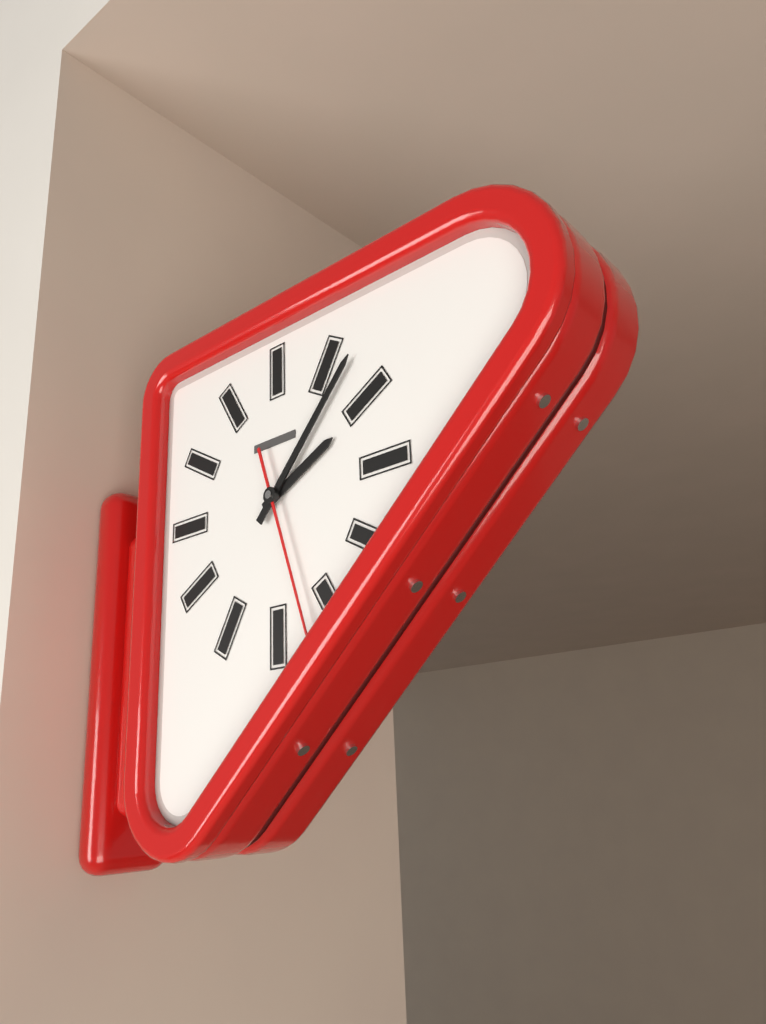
2.07.27
